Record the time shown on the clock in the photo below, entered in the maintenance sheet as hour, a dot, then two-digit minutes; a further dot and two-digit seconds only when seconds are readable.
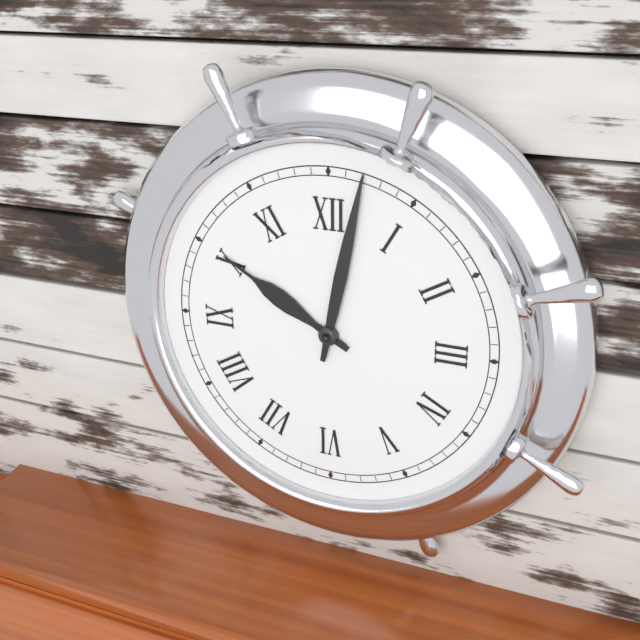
10.02
